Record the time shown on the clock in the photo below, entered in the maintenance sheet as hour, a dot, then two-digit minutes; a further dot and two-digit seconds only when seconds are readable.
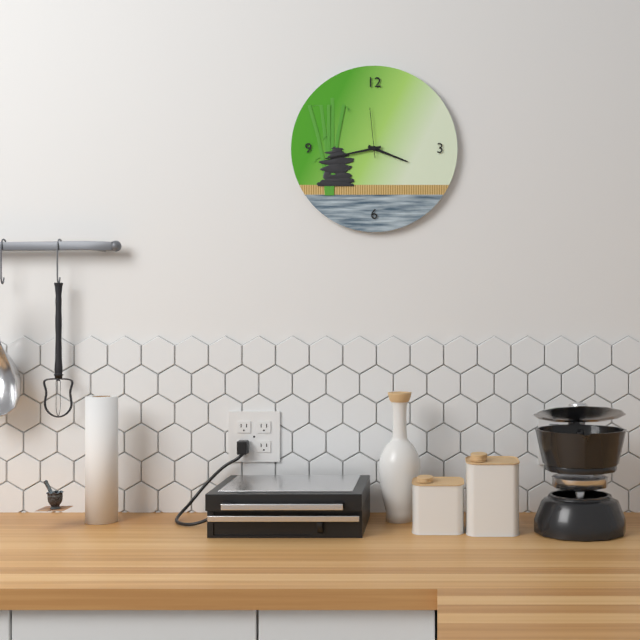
3.43.59
